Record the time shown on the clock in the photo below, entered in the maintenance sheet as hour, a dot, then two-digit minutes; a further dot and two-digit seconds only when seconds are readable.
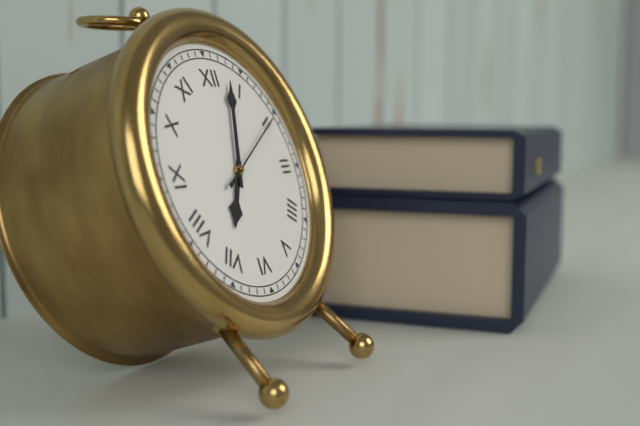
7.03.10
